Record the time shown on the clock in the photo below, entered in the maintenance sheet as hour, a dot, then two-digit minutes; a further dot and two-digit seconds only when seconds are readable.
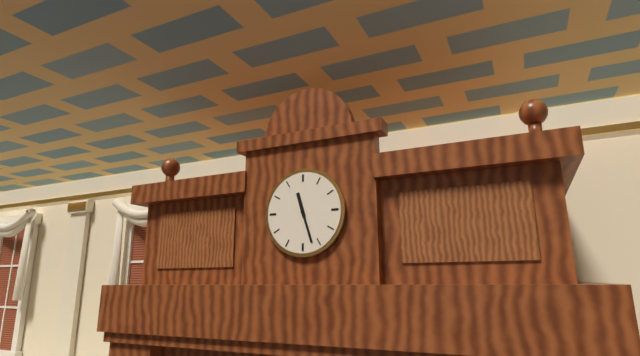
11.27
